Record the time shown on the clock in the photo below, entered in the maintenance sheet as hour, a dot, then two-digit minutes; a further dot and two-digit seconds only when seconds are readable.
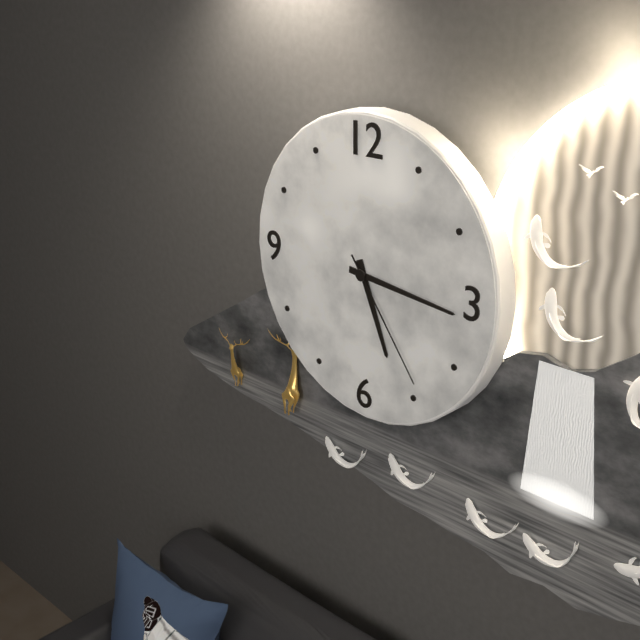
5.16.24
